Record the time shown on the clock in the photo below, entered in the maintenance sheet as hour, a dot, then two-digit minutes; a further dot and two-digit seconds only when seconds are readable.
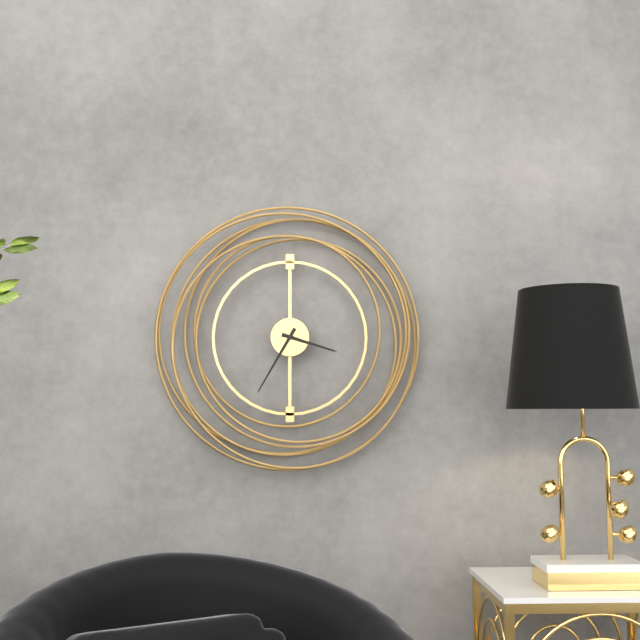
3.35
